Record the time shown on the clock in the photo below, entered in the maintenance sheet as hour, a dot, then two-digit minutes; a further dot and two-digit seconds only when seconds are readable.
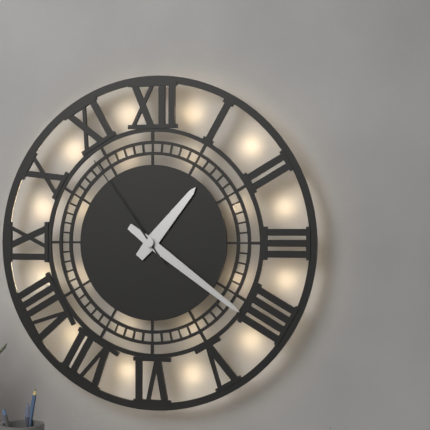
1.21.54
